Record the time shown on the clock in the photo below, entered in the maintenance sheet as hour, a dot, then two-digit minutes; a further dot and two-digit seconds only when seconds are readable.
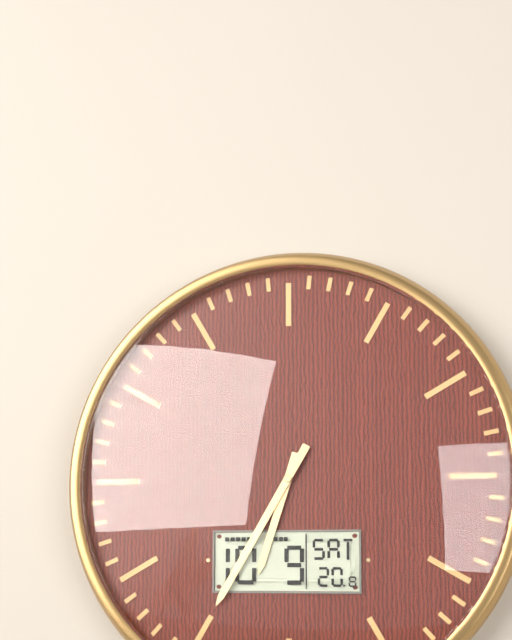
6.35
